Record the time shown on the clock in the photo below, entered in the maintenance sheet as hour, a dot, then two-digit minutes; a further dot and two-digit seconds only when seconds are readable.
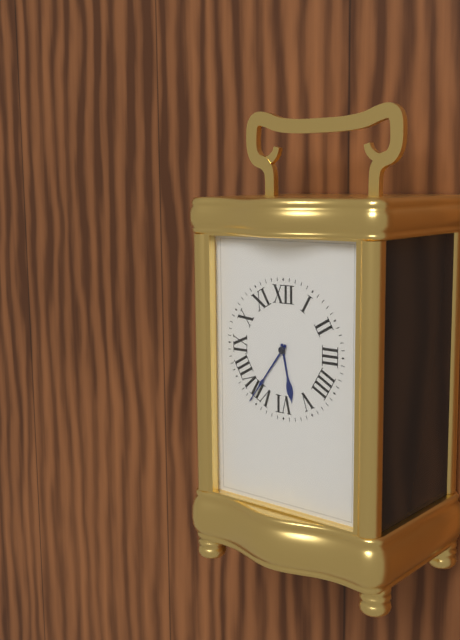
5.36
